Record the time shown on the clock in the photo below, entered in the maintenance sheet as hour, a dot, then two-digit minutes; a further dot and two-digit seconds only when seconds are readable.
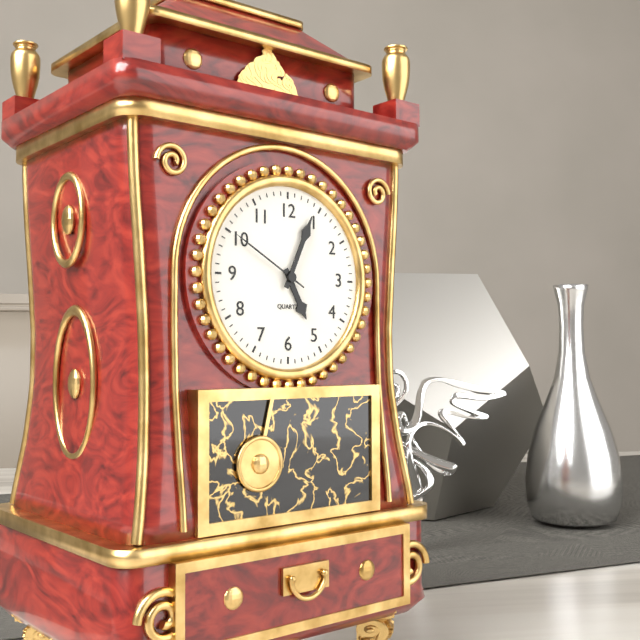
5.04.50
